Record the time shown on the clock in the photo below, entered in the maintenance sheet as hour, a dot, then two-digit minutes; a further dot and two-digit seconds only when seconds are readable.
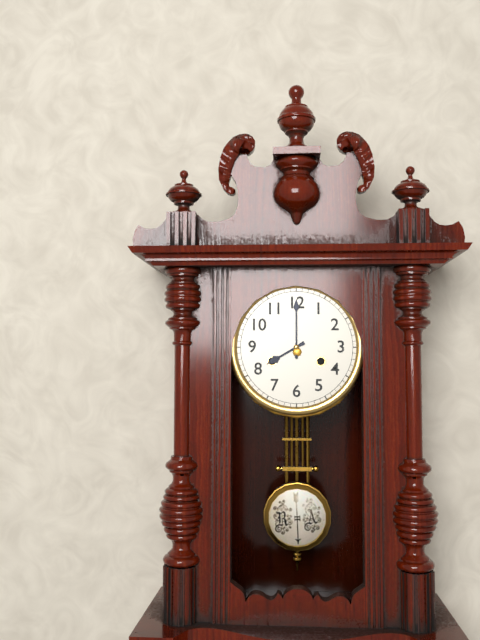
8.00
